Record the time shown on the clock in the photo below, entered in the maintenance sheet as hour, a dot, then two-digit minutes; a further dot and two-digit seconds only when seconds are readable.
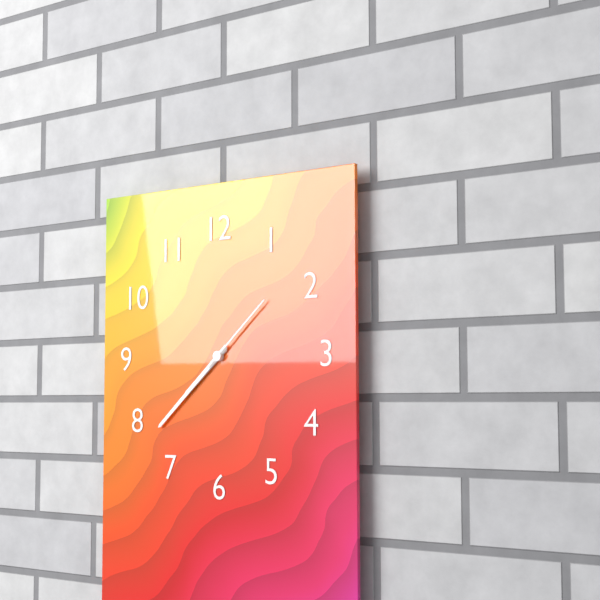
7.38.08
